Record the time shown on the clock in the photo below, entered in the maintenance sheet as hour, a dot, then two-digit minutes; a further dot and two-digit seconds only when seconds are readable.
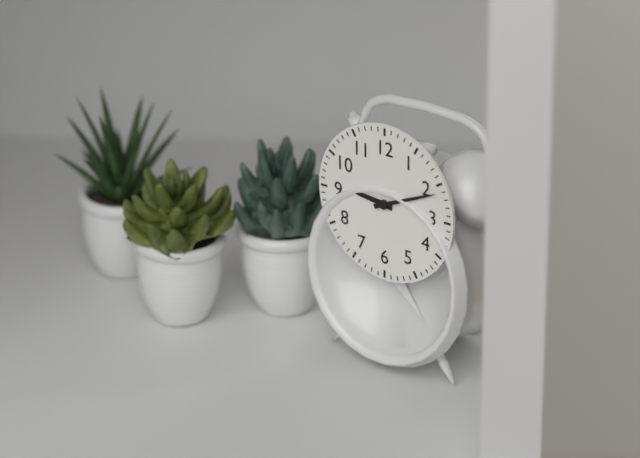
9.11
